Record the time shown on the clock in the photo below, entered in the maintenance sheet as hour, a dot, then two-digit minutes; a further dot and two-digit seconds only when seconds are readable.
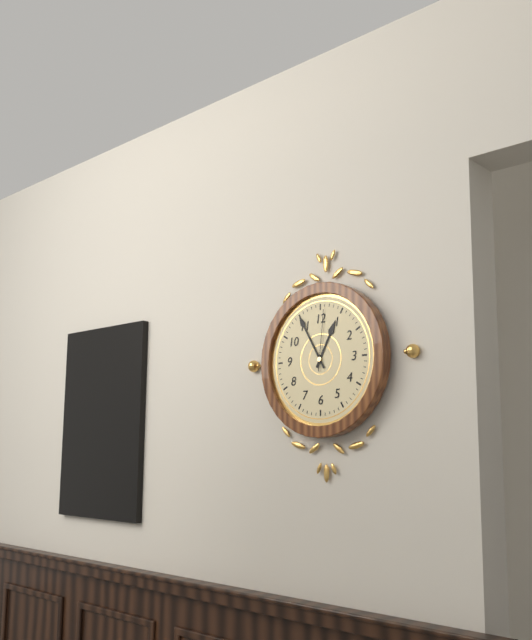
12.55.01
